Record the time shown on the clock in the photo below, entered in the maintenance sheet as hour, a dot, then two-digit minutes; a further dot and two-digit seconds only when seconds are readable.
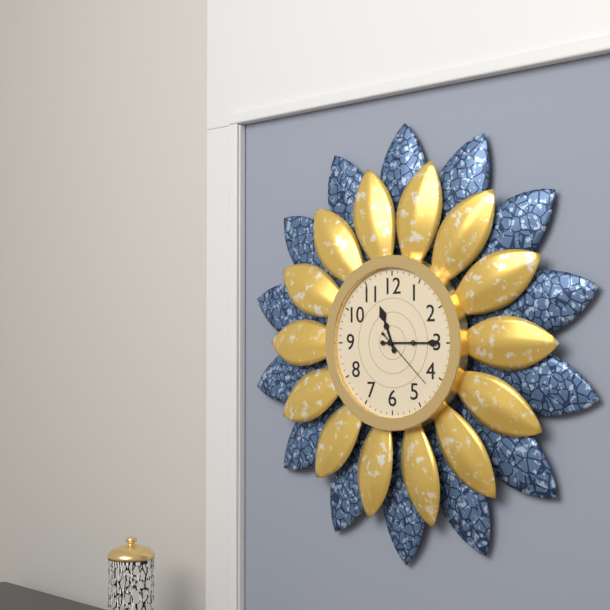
11.15.22
